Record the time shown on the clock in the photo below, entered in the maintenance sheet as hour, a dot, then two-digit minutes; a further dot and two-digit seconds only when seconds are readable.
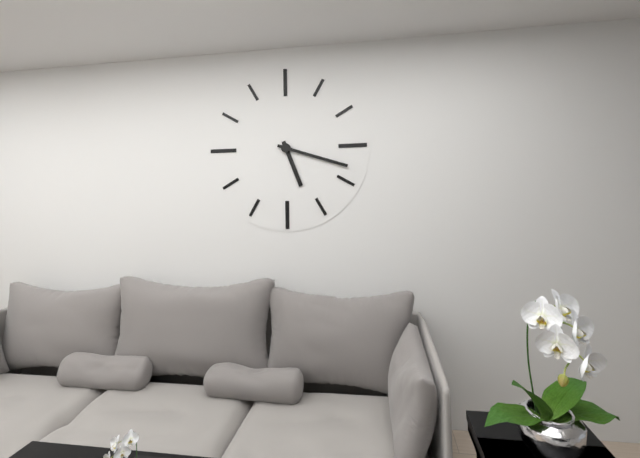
5.18
